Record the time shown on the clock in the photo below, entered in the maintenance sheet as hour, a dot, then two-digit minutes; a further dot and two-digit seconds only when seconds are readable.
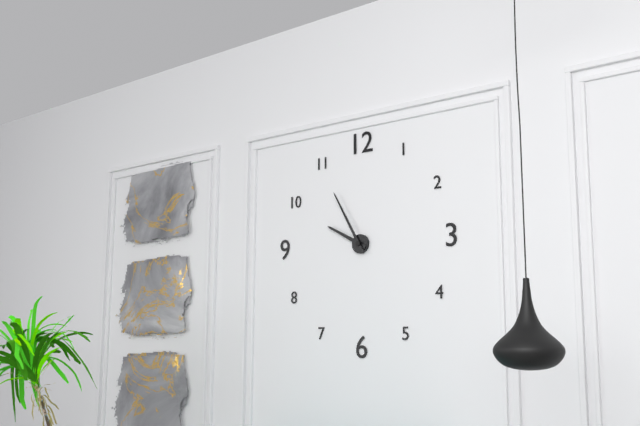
9.55
